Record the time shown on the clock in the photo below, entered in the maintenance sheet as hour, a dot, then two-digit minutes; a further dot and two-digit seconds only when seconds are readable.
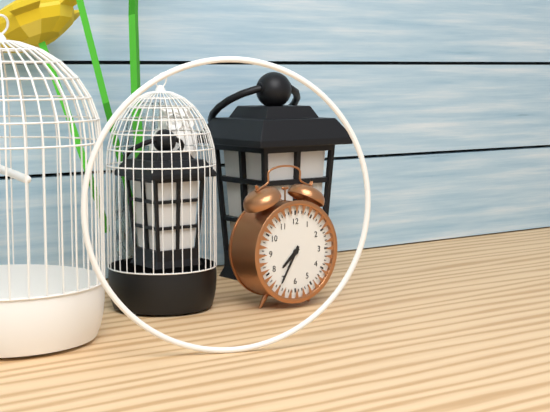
7.35
